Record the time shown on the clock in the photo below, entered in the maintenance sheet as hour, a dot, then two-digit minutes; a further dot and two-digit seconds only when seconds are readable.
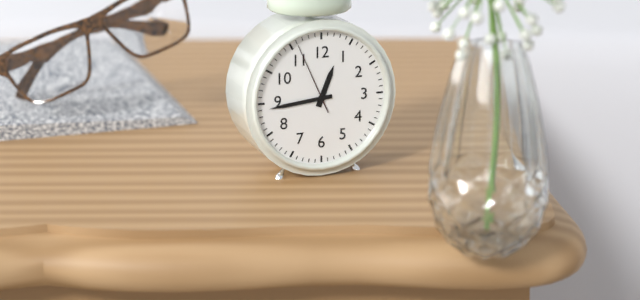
12.44.56
